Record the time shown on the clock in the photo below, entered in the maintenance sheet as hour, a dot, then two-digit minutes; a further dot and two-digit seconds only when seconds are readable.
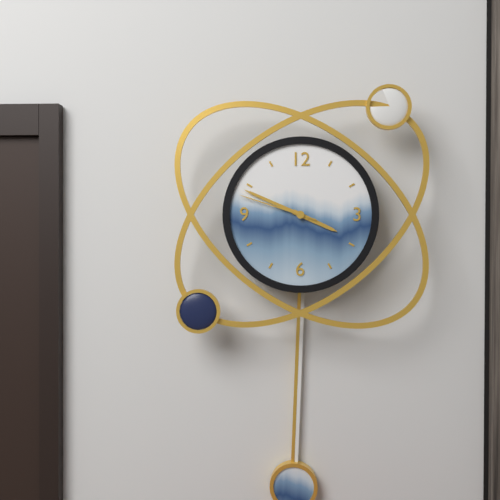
3.49.48
